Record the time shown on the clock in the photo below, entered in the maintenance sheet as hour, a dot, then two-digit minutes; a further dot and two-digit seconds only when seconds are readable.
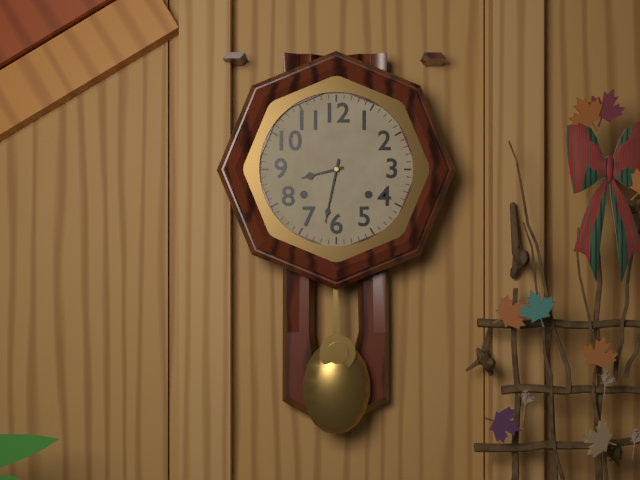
8.32
